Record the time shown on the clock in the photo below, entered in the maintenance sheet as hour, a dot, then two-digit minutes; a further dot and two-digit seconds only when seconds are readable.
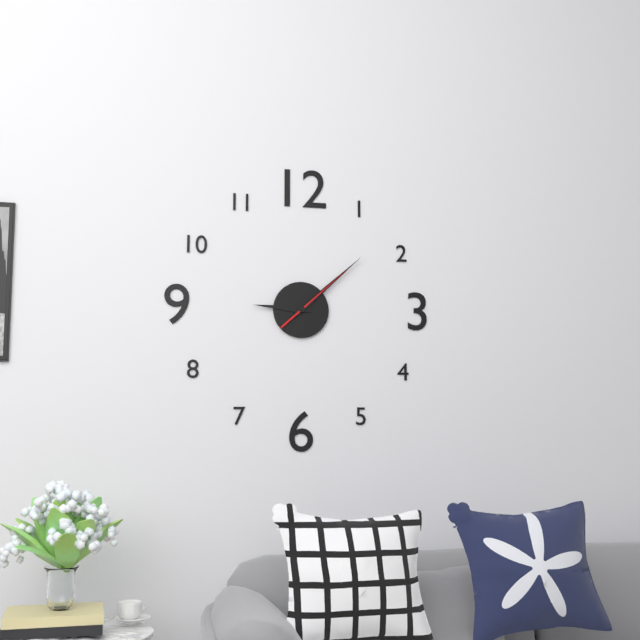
9.08.08
